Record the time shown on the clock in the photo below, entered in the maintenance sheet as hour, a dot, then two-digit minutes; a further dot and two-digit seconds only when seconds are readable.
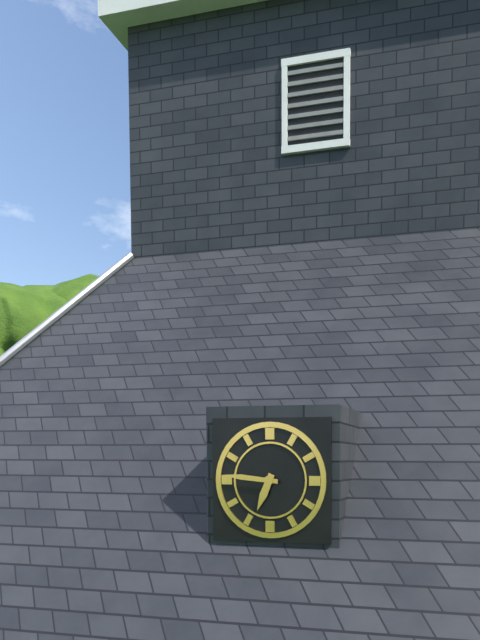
6.46
